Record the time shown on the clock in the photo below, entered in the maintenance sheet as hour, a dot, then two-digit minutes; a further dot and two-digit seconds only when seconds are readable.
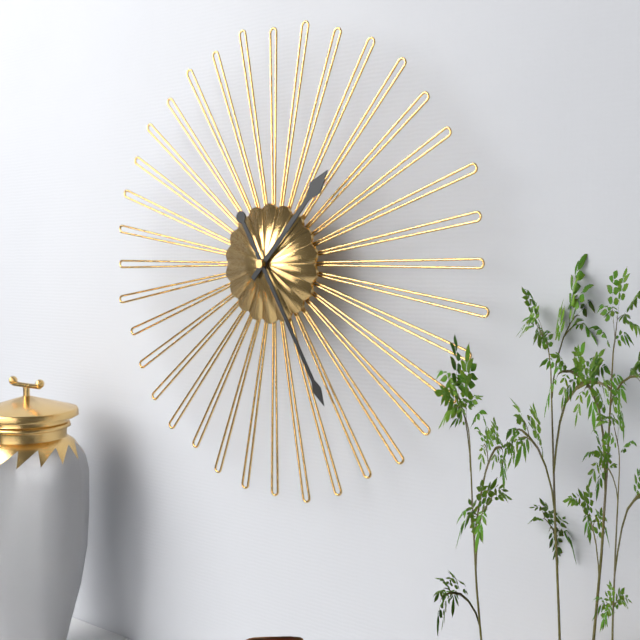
1.25
